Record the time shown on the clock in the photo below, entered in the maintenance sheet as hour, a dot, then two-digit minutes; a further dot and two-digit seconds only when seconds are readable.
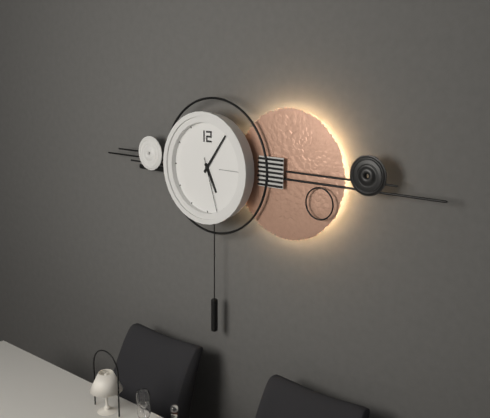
5.06.27
